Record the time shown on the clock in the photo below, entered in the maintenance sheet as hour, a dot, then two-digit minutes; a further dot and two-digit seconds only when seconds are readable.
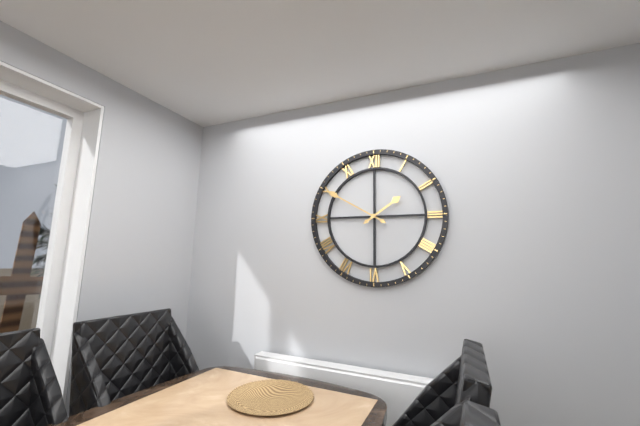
1.50
